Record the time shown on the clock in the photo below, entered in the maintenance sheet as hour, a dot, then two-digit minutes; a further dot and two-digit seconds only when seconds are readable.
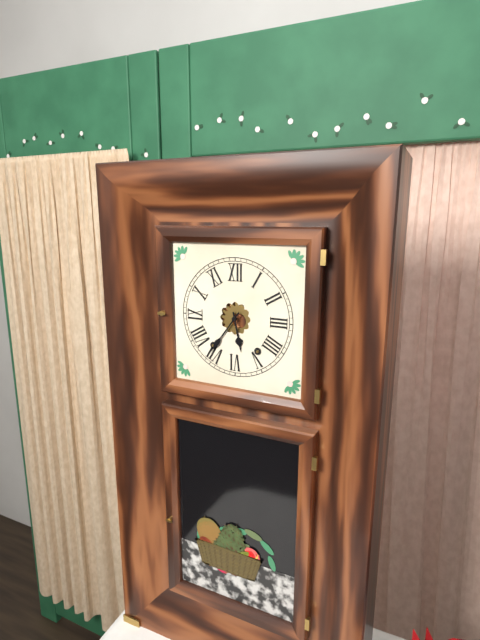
5.36
